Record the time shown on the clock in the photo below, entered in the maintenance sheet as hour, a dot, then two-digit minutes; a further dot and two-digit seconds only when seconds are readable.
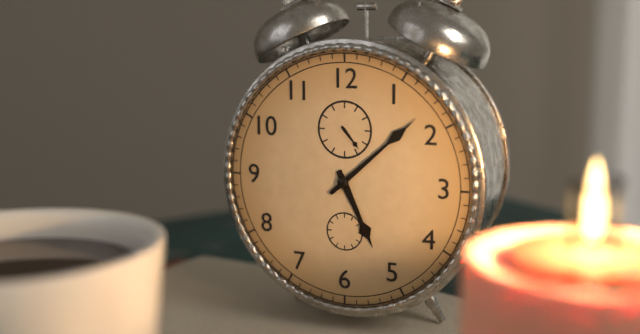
5.08
